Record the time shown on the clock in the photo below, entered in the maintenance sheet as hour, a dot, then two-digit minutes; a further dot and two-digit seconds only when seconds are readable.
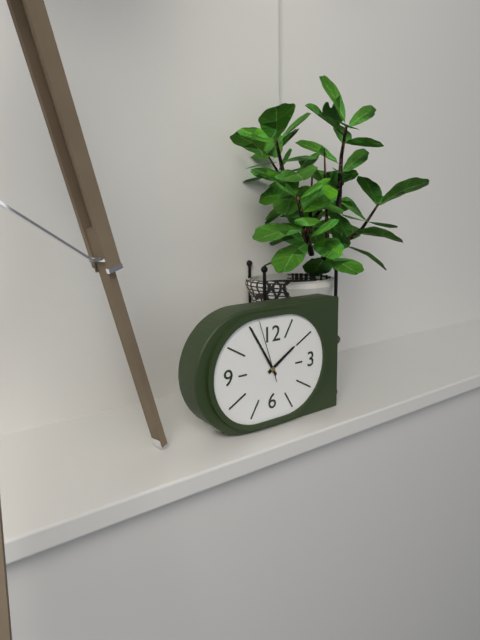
1.55.57
